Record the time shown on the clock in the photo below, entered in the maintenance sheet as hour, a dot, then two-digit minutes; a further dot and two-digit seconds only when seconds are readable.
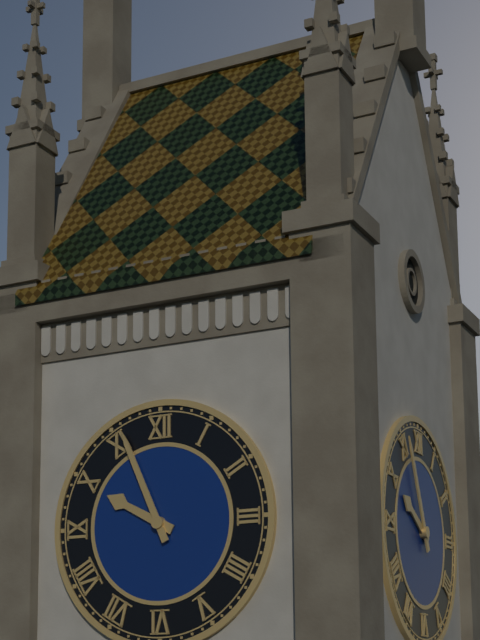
9.56
